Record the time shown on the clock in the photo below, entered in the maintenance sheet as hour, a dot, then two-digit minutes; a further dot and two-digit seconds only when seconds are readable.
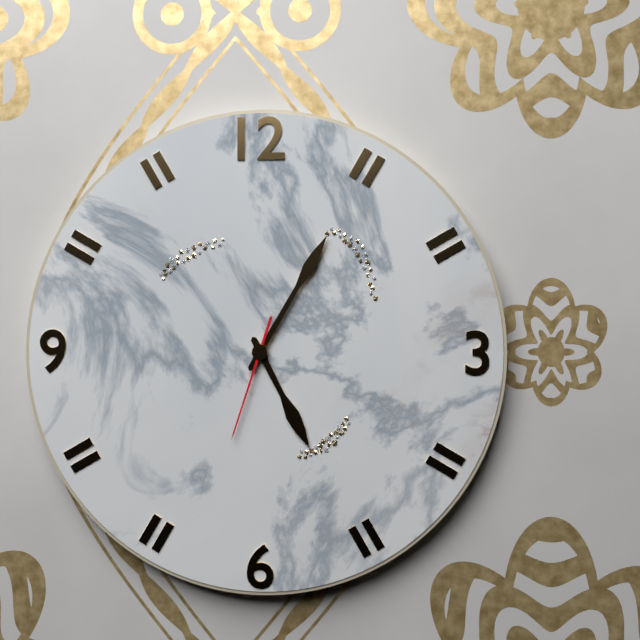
5.05.33
